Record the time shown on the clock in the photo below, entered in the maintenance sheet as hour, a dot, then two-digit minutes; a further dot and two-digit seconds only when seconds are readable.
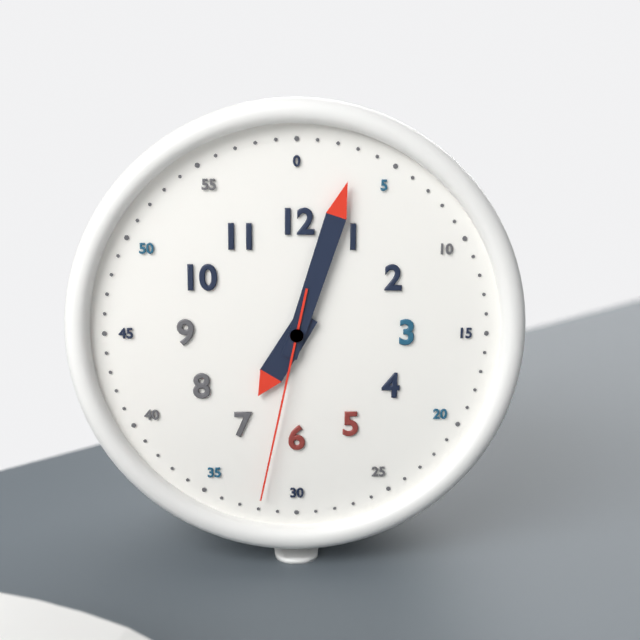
7.03.32
